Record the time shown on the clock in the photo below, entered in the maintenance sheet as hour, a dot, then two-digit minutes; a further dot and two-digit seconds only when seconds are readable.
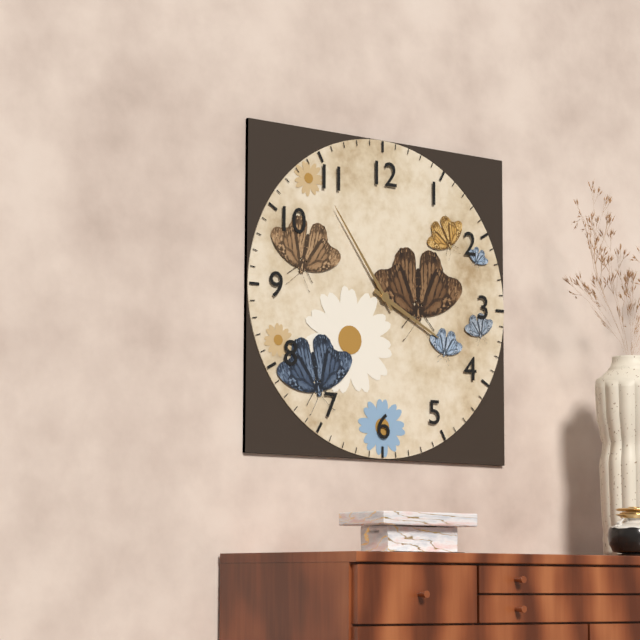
3.54
